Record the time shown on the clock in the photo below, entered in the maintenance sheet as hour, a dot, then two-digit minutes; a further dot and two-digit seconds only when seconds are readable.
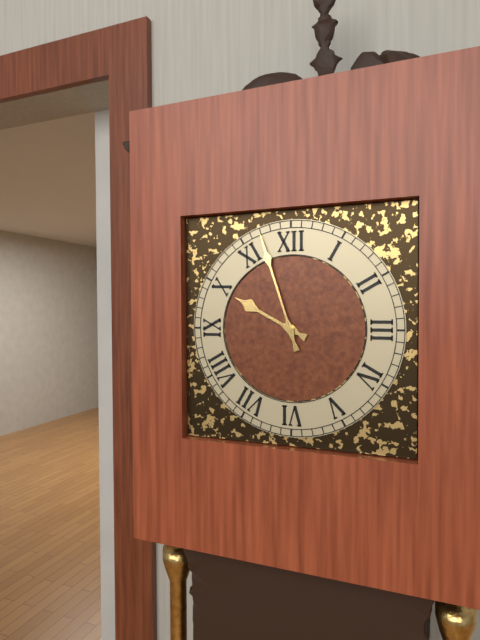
9.57
